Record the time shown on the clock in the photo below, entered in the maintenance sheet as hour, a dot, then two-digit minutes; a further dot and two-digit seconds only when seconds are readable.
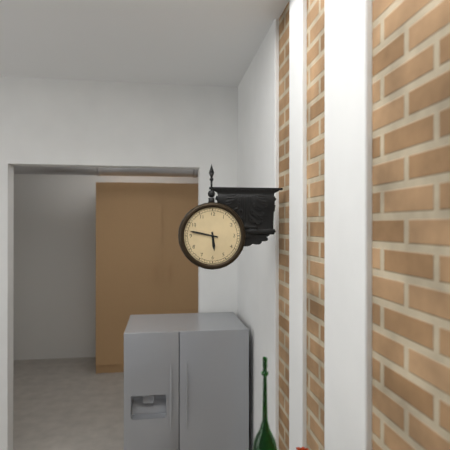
5.47
